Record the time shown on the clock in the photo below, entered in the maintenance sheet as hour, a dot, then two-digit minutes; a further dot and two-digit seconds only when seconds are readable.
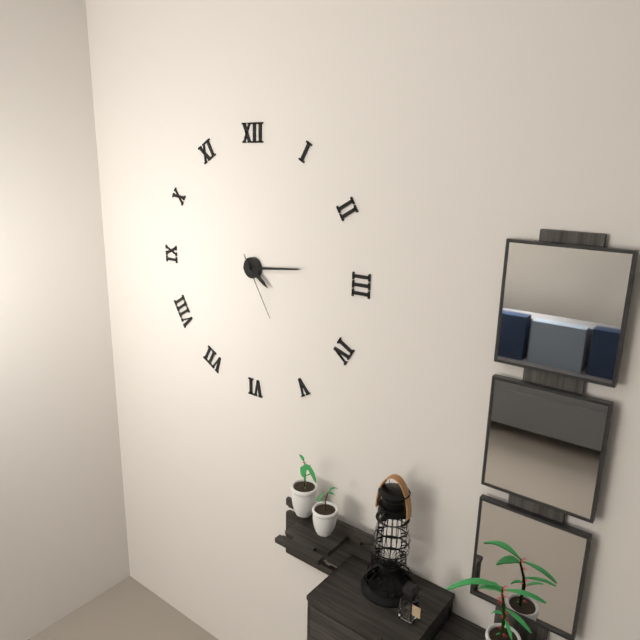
4.14.25
